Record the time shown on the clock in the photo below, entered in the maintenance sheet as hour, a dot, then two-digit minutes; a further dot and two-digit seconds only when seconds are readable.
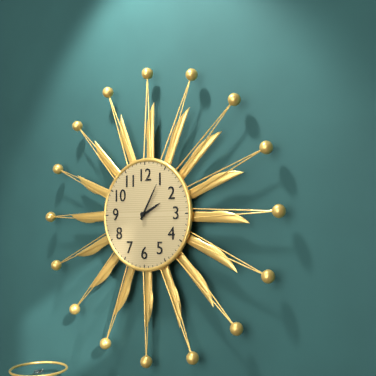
2.05
